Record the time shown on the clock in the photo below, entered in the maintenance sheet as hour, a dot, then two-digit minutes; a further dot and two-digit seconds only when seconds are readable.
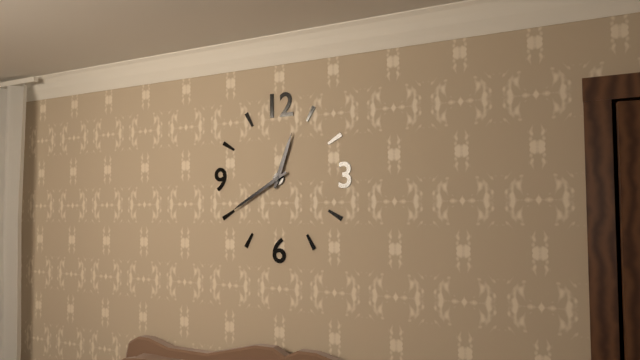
12.40
